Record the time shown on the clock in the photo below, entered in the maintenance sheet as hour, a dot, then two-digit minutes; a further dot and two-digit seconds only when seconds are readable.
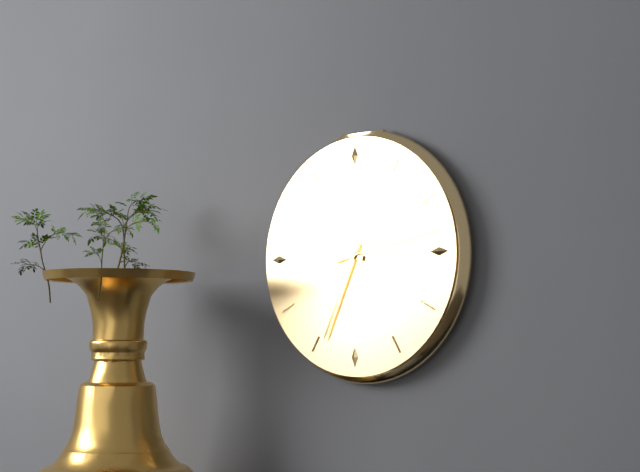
9.34.13
